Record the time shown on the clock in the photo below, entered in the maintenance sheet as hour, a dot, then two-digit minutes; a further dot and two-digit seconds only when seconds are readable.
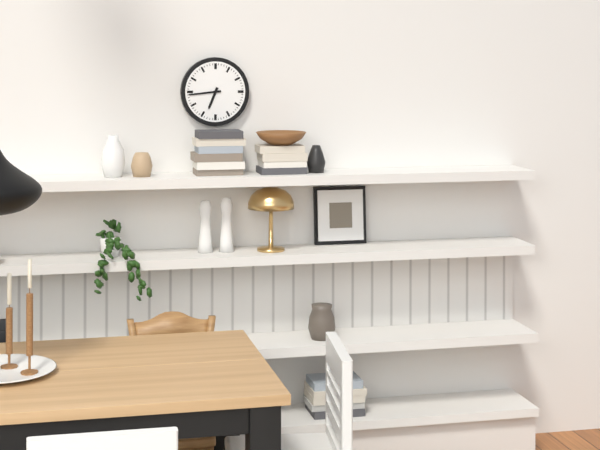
6.44
